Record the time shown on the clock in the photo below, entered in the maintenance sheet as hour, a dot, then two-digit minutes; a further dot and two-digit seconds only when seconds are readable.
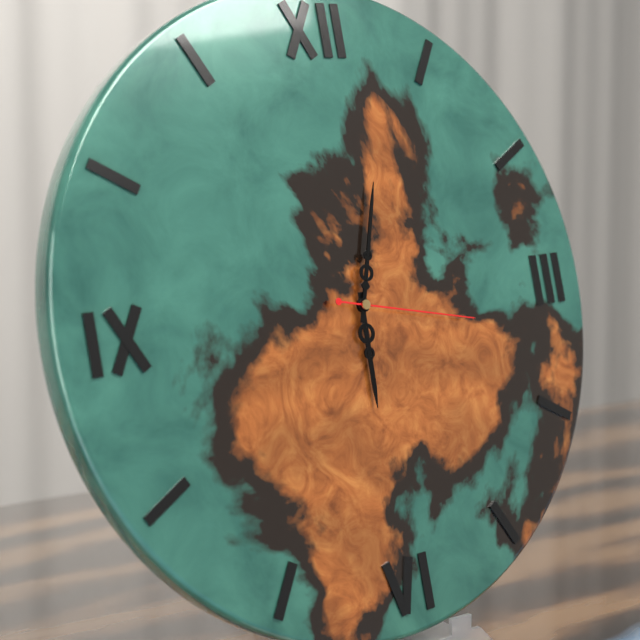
6.03.17
